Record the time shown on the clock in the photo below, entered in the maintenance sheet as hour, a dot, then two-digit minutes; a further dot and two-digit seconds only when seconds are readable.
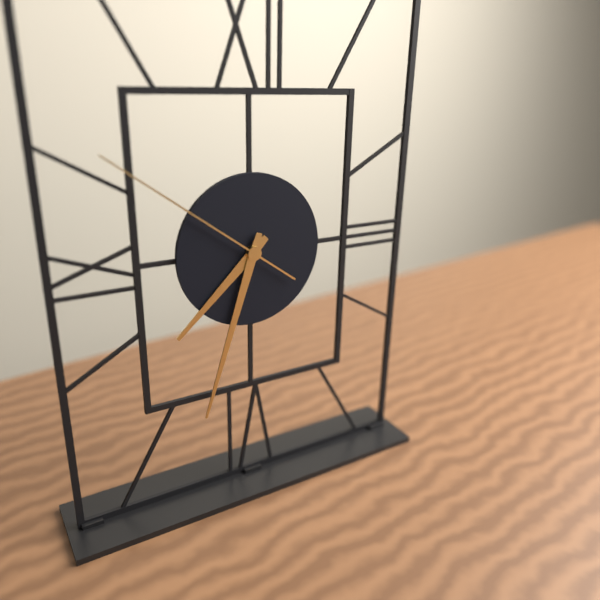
7.33.51
